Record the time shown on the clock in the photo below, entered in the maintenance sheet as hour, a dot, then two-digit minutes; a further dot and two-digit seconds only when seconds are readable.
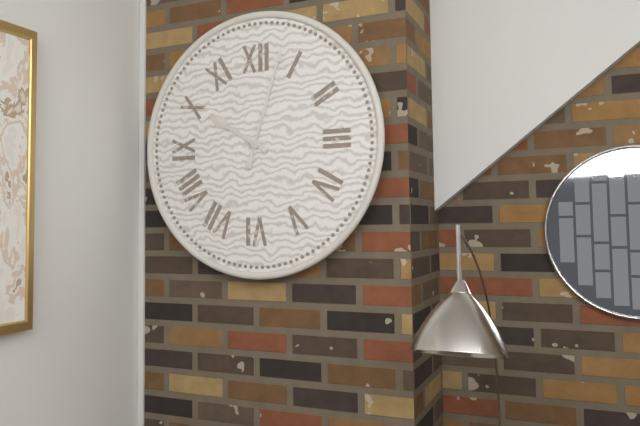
10.03
